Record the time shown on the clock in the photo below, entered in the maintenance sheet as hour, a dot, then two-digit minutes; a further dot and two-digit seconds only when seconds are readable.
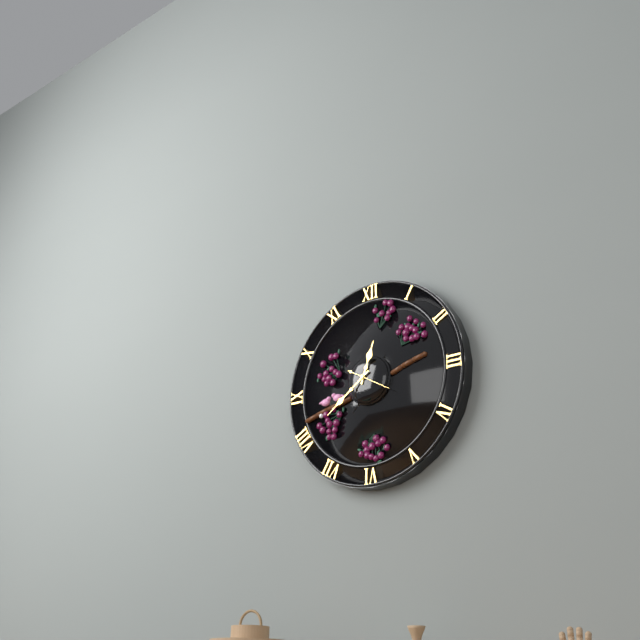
12.39
